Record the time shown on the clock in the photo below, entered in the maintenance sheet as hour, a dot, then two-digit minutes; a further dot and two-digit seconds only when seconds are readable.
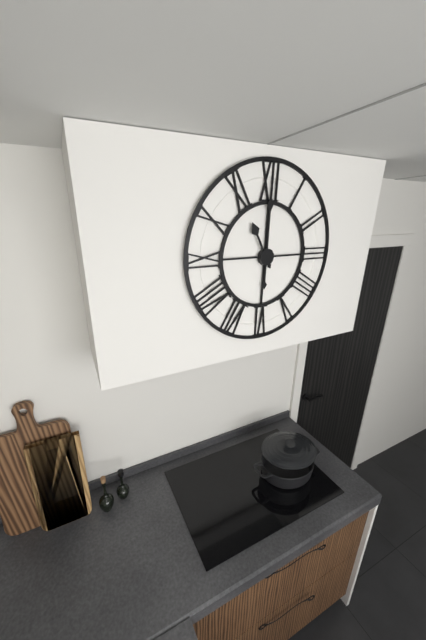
11.00
